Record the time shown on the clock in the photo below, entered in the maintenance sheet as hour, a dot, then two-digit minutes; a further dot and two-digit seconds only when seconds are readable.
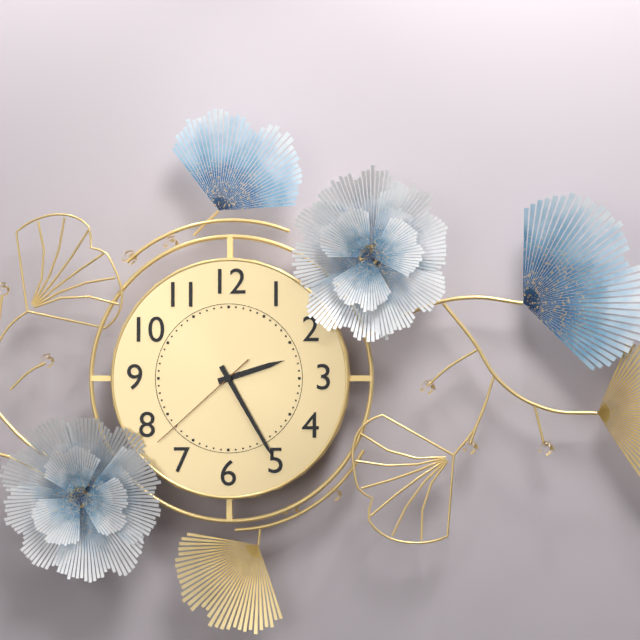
2.25.38
